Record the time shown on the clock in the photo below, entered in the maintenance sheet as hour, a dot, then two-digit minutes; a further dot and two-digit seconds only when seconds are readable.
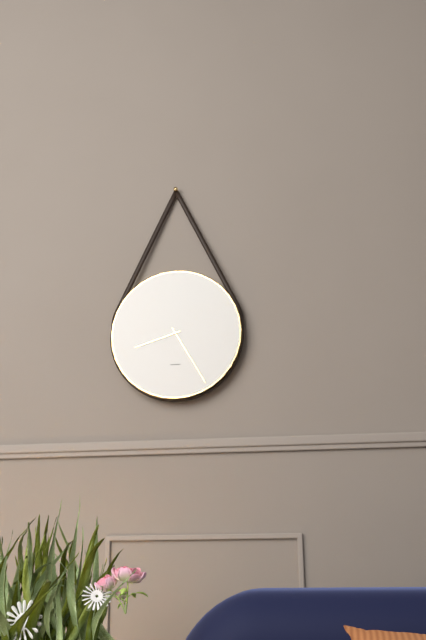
8.25
